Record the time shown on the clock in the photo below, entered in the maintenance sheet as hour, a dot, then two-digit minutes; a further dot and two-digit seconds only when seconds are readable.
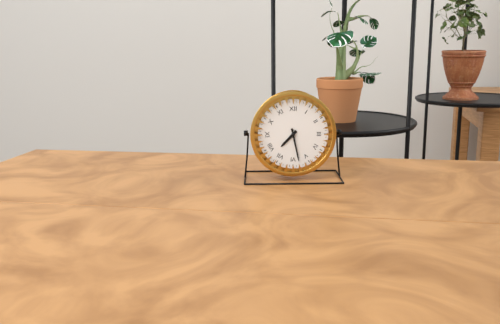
7.28
